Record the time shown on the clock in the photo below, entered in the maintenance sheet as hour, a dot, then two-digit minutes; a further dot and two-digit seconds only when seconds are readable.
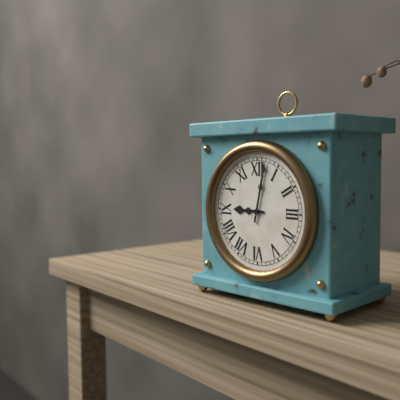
9.02
